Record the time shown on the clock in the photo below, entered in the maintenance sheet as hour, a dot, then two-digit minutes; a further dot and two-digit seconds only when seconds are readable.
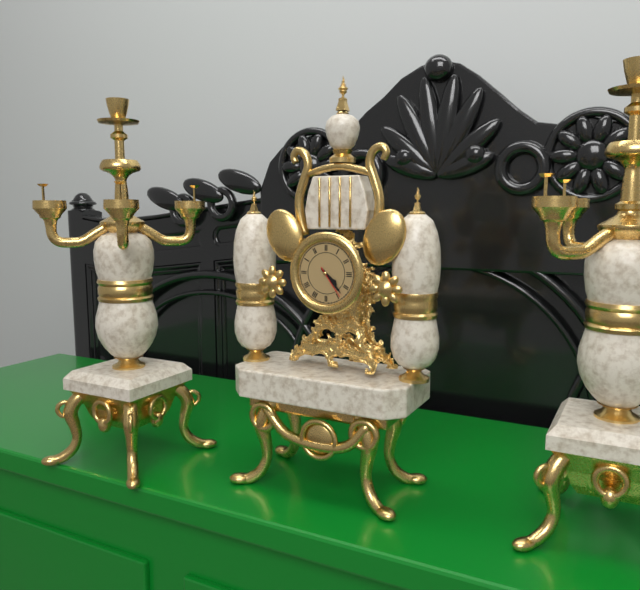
4.23
